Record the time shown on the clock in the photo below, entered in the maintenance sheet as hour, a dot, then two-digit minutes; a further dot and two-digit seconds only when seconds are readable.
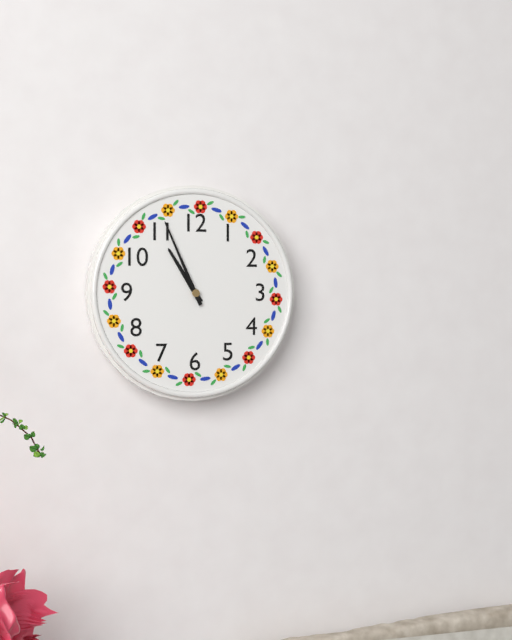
10.56
